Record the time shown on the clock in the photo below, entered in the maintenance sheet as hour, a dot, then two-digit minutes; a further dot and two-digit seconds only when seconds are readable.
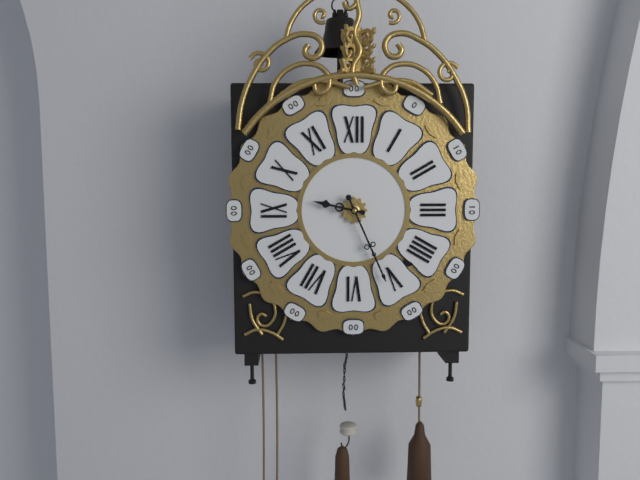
9.26
